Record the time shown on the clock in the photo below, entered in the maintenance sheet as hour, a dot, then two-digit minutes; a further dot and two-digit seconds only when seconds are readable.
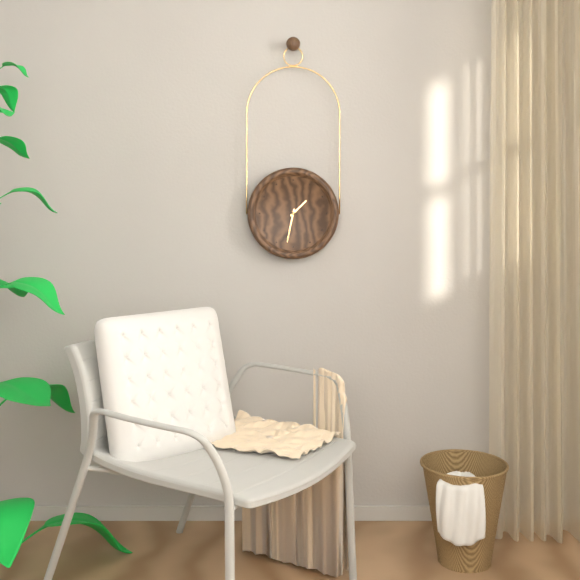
1.32
